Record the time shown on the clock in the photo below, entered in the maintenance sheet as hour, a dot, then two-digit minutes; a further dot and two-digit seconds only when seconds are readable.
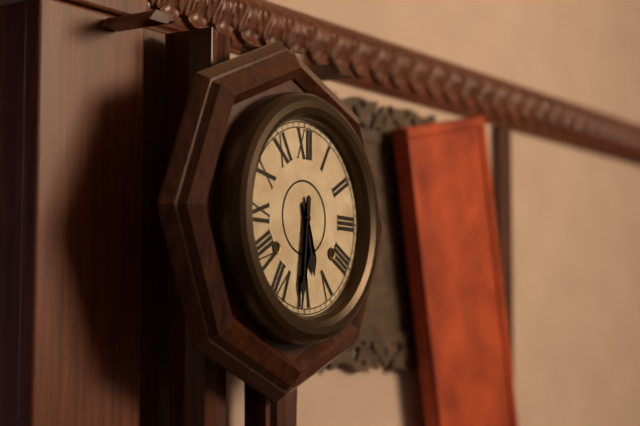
5.31
